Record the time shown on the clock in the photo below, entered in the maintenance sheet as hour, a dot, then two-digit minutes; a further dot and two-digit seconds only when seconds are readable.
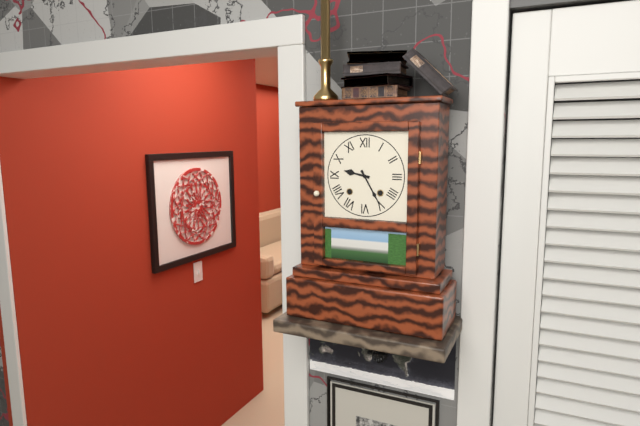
9.25
